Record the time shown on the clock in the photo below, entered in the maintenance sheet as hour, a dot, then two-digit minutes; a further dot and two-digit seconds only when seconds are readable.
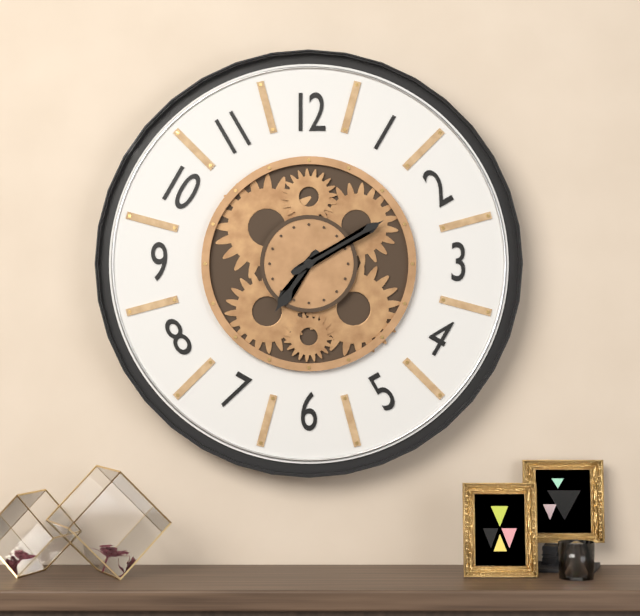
7.10
